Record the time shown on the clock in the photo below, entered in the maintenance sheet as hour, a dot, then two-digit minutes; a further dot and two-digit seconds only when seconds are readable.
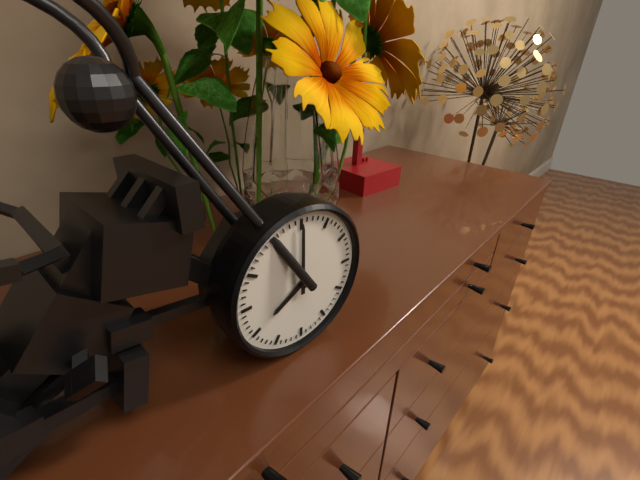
8.00
